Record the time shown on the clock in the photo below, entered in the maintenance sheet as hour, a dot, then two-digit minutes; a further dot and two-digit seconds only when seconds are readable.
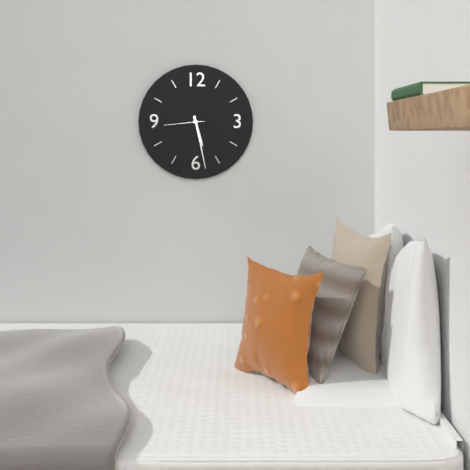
5.28
